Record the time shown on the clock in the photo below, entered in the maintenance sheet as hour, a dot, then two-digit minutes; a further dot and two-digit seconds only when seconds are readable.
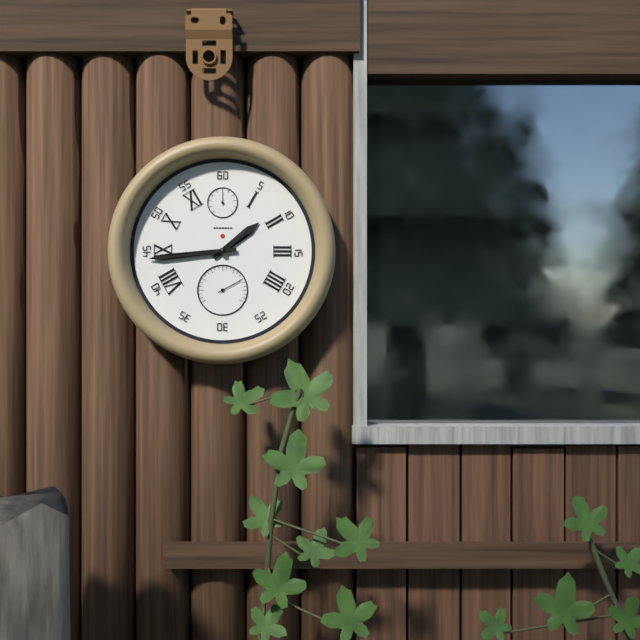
1.44
